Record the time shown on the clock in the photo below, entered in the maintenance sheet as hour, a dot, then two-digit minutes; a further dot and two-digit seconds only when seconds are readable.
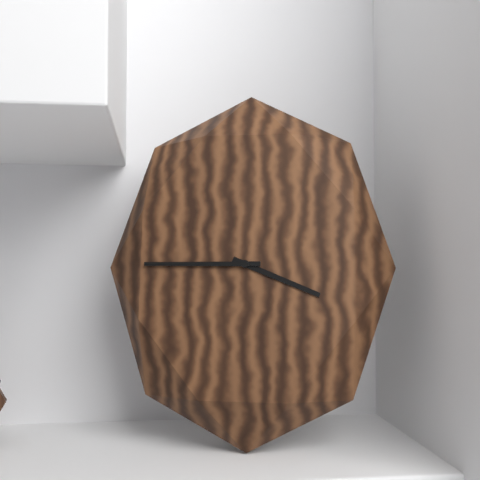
3.45
